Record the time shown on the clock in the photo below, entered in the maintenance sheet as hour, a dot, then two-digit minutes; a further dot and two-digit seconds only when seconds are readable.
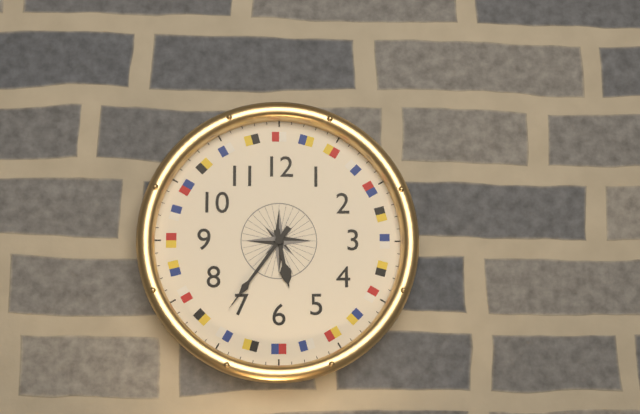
5.36
